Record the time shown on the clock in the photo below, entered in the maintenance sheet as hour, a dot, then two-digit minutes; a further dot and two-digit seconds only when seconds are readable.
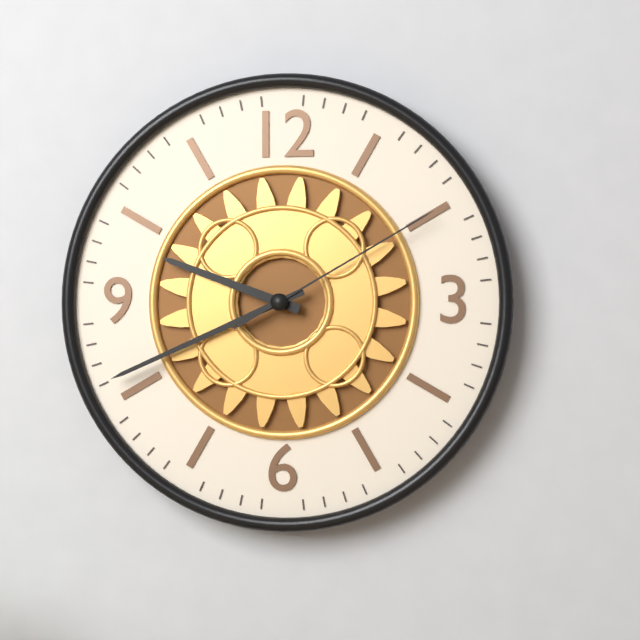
9.41.10
